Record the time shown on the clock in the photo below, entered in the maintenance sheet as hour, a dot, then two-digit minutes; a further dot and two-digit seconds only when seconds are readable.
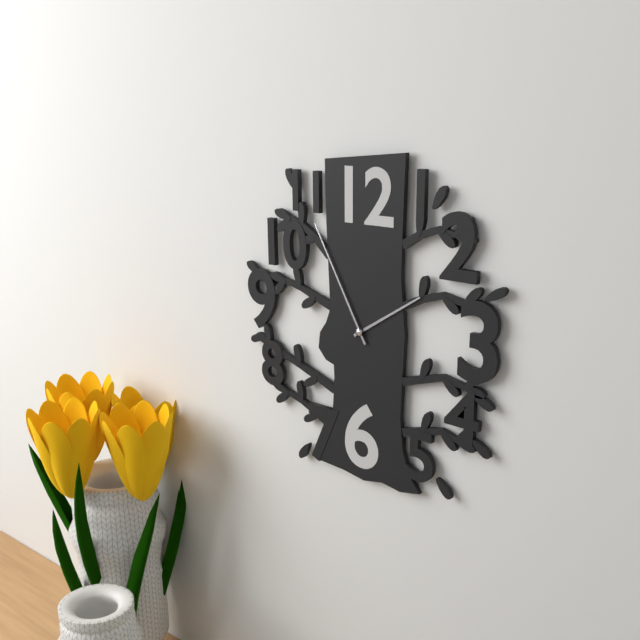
1.55
